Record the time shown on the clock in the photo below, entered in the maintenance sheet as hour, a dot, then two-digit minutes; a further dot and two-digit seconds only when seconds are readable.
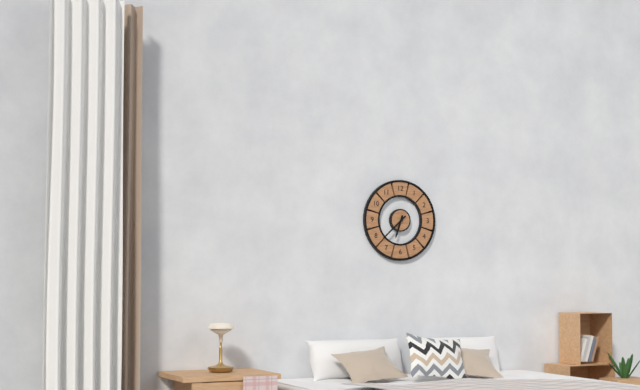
6.38
